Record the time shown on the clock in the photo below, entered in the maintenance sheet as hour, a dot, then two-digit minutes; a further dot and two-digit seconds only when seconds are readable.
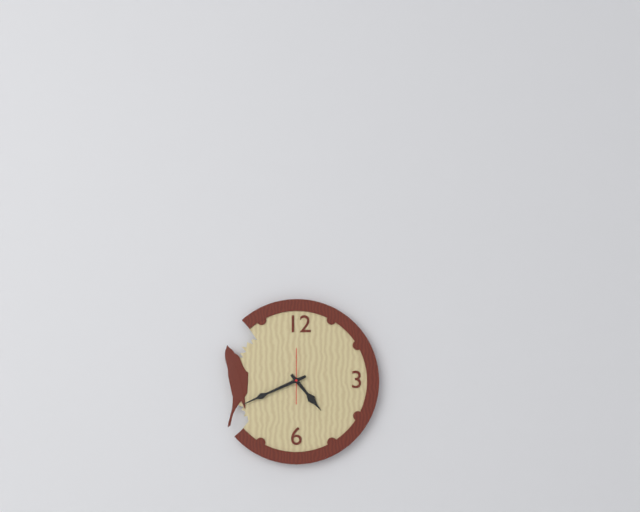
4.41
